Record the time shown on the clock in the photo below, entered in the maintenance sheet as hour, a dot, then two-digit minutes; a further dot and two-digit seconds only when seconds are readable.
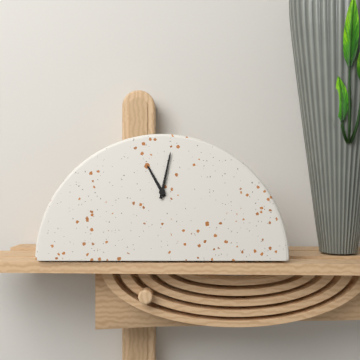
11.02
